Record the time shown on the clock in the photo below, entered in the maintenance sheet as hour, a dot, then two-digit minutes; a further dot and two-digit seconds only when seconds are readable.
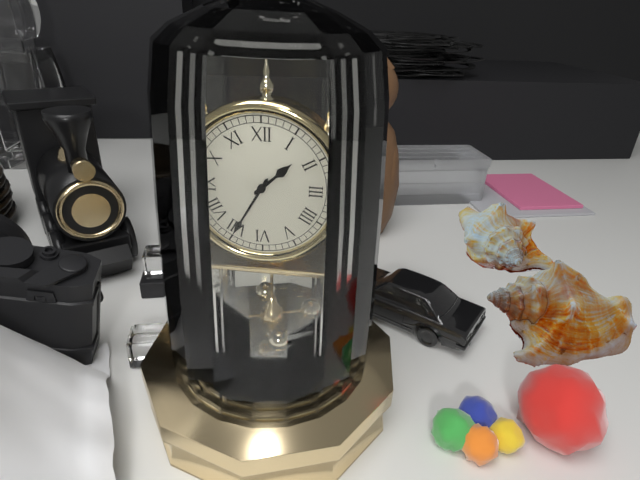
1.35
